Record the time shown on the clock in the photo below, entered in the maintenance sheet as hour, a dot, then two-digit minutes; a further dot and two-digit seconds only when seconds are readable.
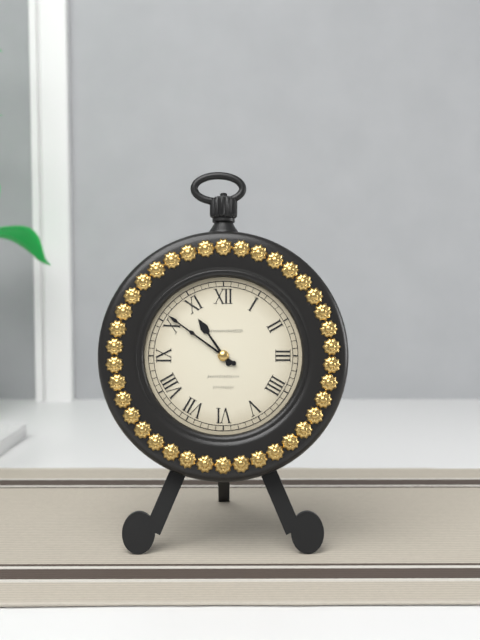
10.51
